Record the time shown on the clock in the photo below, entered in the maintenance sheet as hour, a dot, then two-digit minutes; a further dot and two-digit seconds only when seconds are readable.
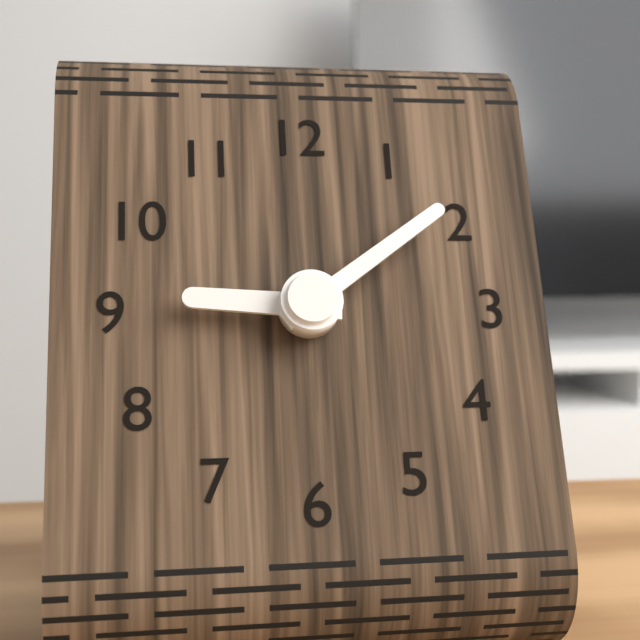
9.09
